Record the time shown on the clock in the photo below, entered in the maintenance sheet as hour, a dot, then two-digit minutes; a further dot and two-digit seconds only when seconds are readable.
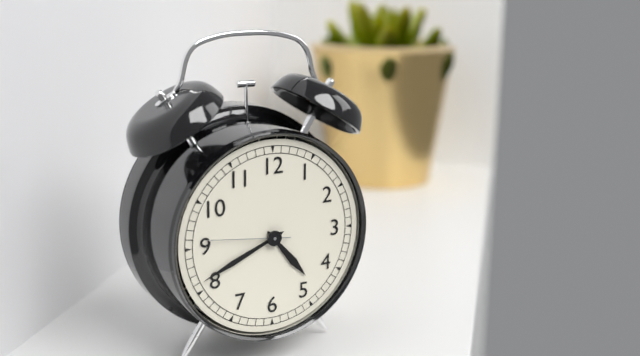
4.41.46
